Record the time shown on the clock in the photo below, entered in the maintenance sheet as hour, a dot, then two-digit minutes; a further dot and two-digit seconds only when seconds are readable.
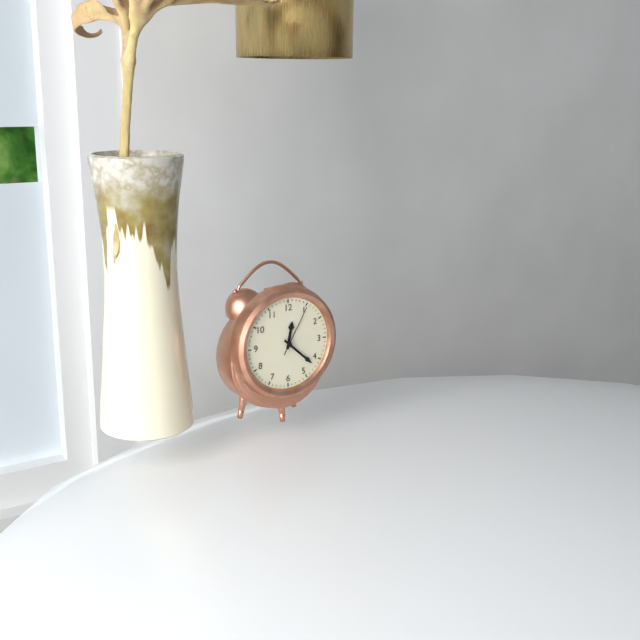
12.22.05
